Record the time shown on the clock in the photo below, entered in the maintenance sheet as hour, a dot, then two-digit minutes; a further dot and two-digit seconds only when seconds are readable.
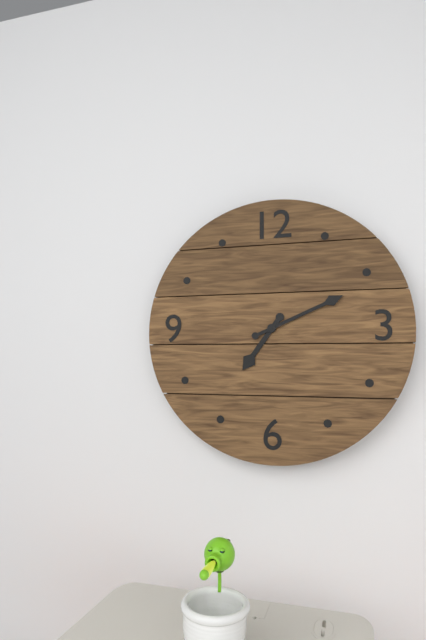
7.11
